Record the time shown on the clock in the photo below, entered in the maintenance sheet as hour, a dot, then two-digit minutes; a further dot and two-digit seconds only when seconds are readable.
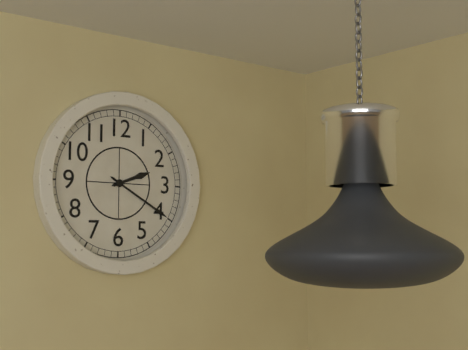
2.20
